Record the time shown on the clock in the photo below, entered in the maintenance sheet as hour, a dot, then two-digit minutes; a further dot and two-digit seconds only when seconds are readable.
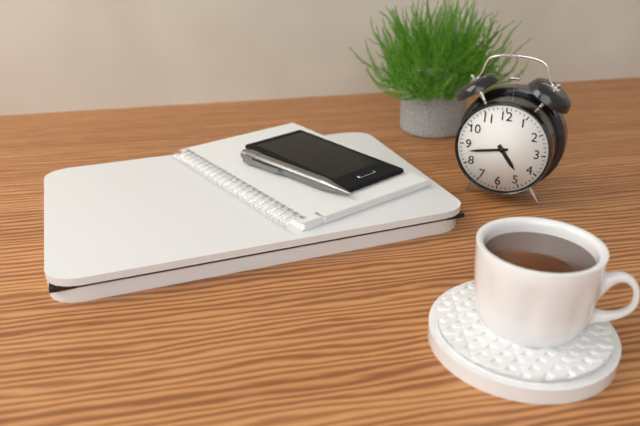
4.43
